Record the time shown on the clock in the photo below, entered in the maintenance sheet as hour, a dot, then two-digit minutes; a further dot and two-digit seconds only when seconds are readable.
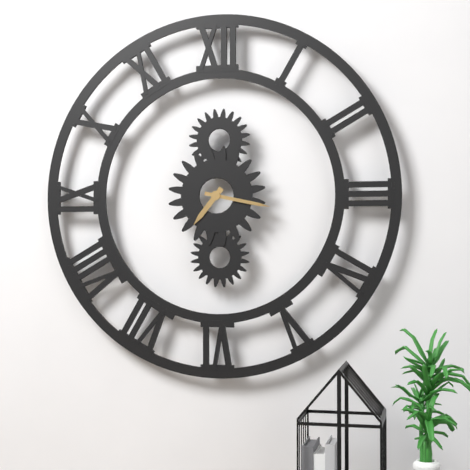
7.17
